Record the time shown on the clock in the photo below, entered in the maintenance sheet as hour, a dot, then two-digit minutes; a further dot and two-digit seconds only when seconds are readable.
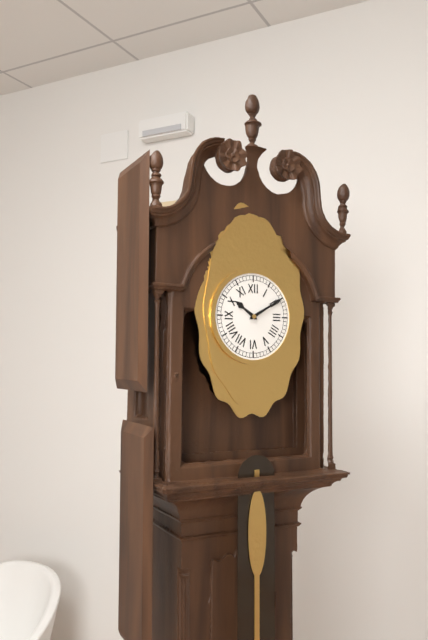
10.10
